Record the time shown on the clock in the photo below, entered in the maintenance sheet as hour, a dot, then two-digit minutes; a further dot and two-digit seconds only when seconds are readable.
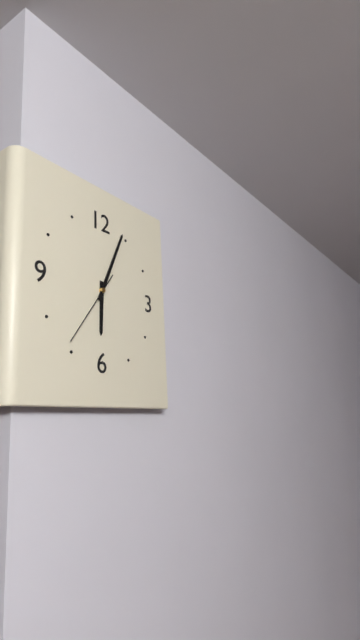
6.04.36
